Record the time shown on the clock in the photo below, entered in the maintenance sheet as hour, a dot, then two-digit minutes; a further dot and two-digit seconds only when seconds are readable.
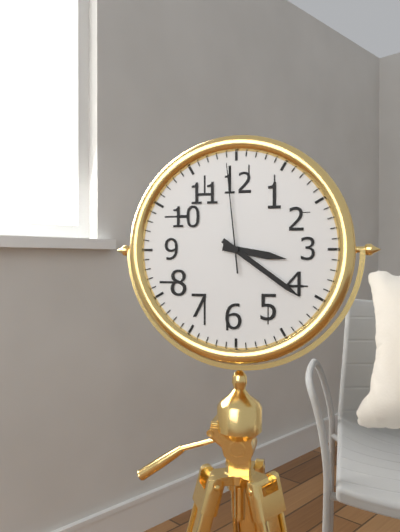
3.21.59
